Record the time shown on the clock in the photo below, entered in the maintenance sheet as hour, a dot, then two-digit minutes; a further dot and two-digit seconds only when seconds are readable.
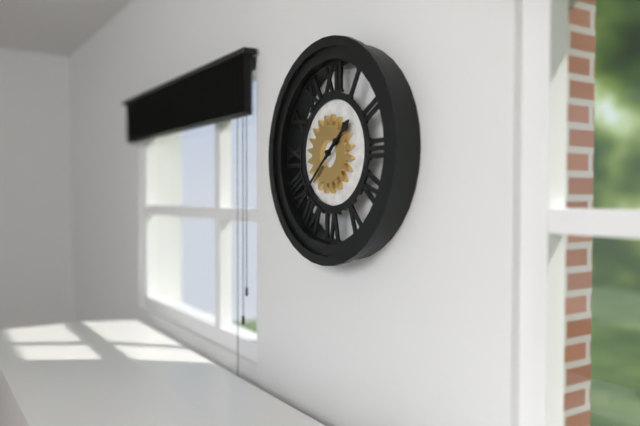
1.38
